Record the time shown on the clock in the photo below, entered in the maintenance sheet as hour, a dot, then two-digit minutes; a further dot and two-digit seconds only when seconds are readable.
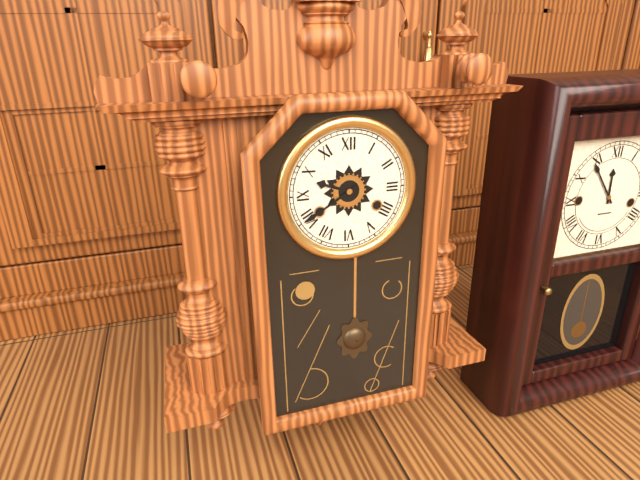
9.40
